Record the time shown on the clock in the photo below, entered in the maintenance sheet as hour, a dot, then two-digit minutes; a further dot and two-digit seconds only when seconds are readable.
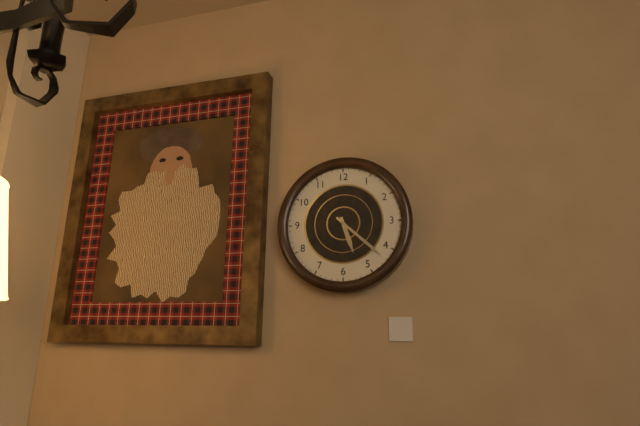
5.22
